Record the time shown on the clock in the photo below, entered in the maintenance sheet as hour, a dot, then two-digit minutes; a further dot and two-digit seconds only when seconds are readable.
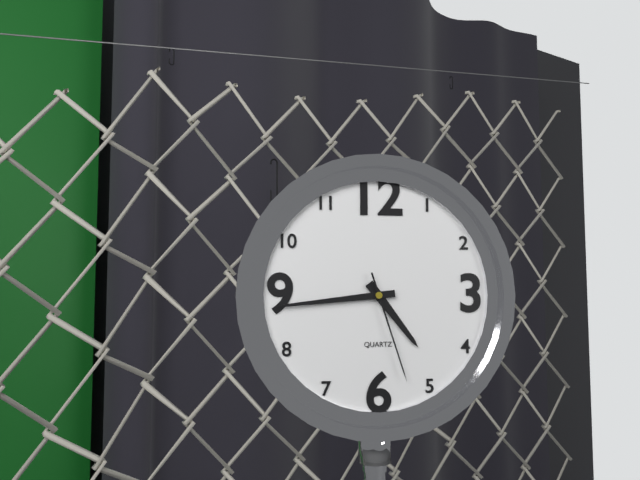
4.44.27
